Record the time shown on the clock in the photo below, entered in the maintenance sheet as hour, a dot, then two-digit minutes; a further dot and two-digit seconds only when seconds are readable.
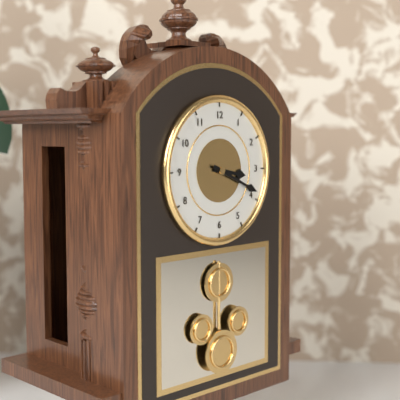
3.19
